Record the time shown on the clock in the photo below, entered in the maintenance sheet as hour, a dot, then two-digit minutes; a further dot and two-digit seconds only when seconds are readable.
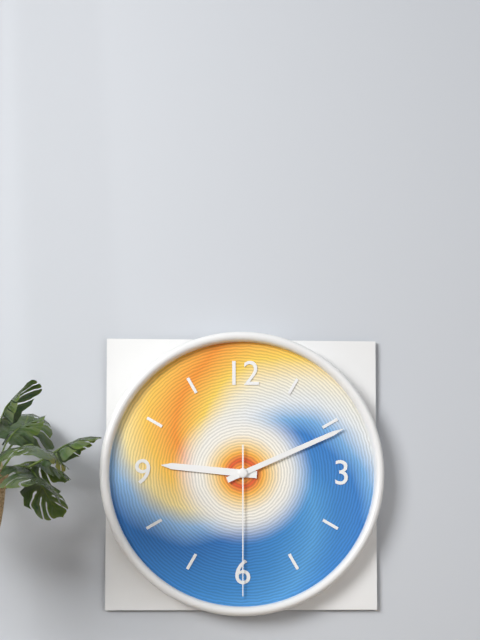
9.11.30
